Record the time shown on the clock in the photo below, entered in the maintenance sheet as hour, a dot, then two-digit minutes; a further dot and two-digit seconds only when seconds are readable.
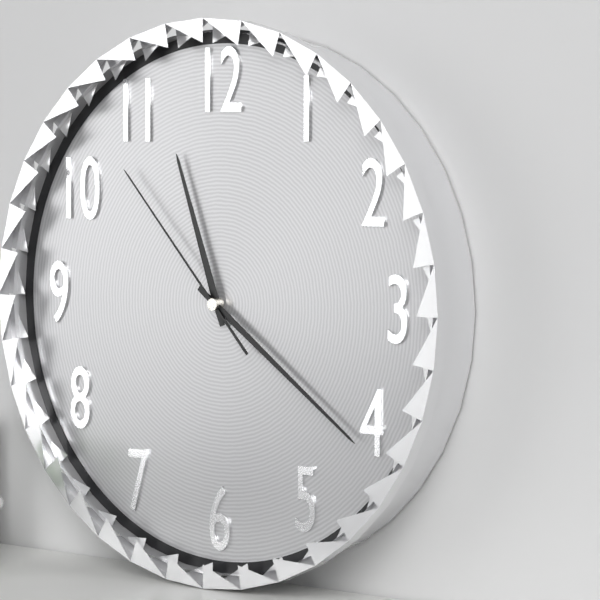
11.21.53
